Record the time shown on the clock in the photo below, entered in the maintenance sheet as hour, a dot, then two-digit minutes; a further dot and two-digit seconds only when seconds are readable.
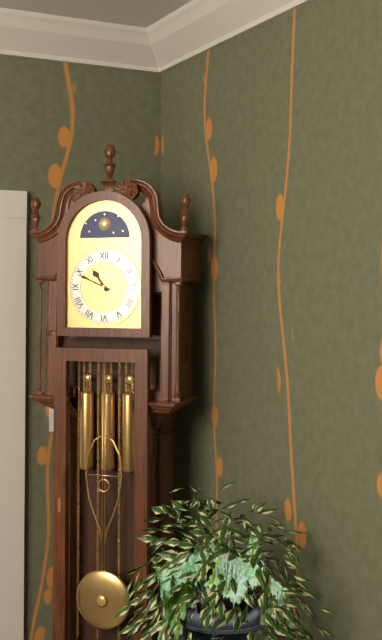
10.49
